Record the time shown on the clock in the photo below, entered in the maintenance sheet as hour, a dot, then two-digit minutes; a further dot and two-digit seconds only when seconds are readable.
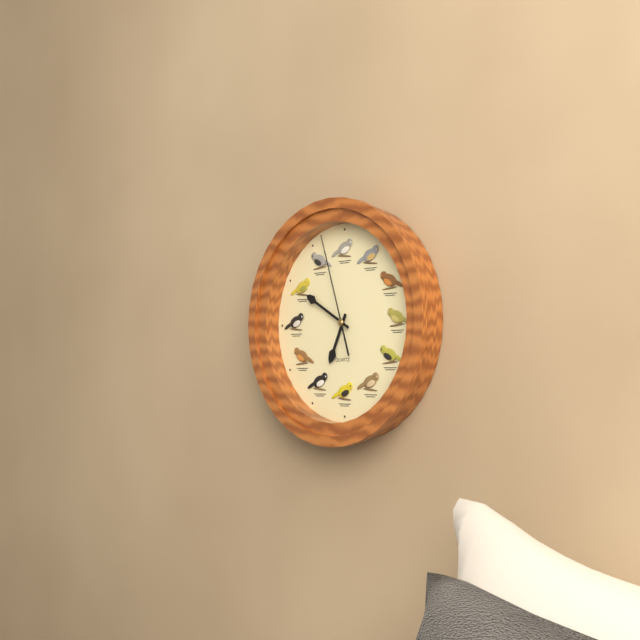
6.50.57
